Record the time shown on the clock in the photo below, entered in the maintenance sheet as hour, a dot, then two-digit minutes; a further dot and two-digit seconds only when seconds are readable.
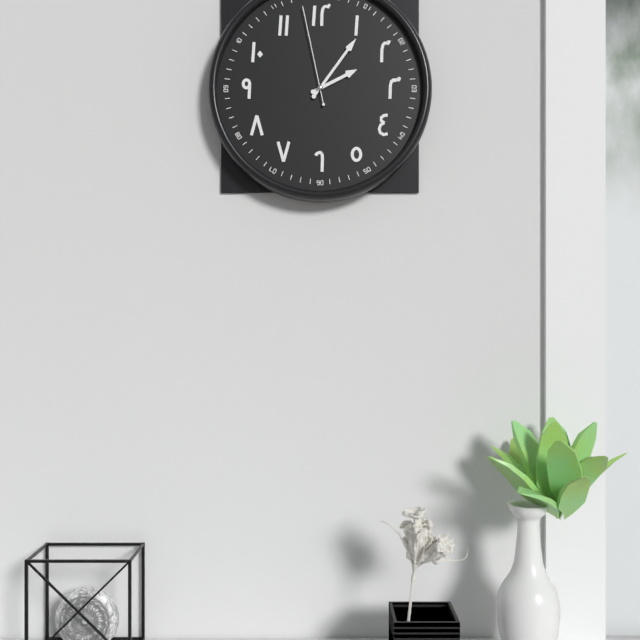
2.06.58
